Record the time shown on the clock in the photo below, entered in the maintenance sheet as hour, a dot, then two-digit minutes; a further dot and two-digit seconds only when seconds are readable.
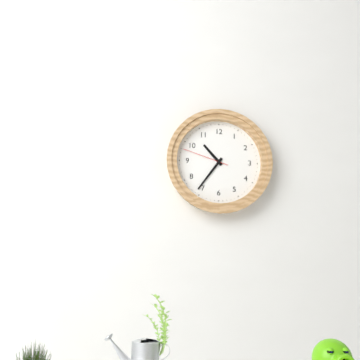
10.36
